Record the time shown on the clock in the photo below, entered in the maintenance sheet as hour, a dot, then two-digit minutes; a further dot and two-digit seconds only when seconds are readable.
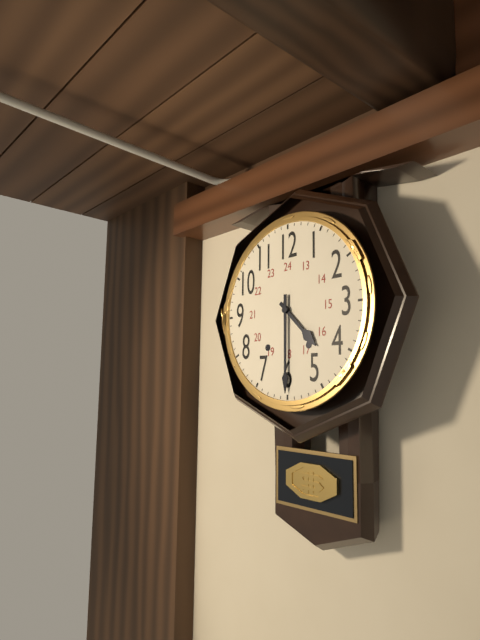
4.30
